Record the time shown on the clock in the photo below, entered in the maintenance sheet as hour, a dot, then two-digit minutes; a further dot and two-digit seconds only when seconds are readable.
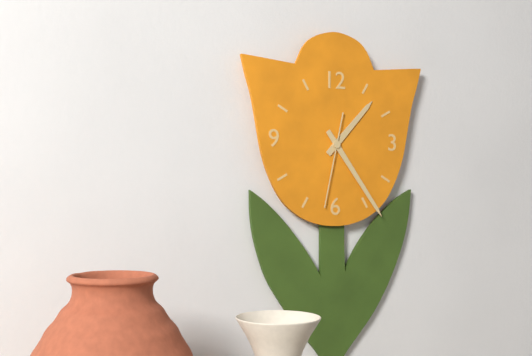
1.24.32
